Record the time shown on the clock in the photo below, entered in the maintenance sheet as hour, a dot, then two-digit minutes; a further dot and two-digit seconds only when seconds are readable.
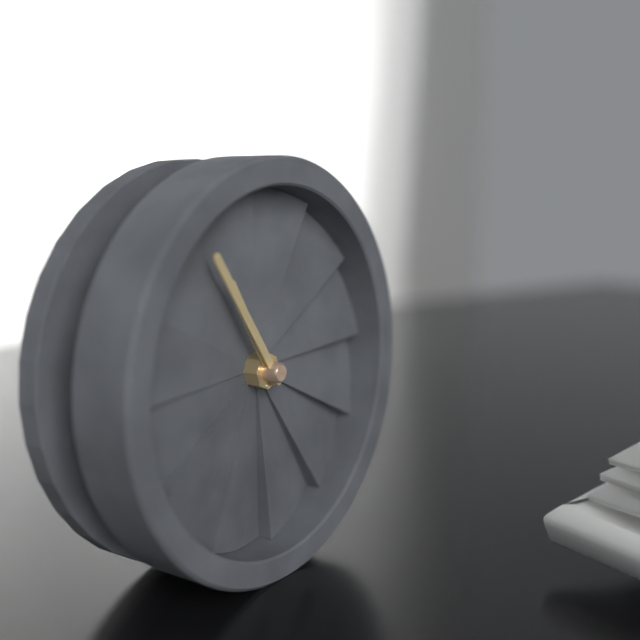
10.54
